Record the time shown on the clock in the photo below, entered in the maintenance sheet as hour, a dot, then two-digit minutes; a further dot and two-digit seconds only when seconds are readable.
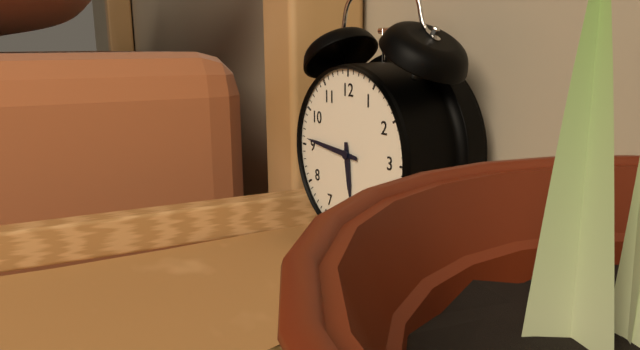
5.46
